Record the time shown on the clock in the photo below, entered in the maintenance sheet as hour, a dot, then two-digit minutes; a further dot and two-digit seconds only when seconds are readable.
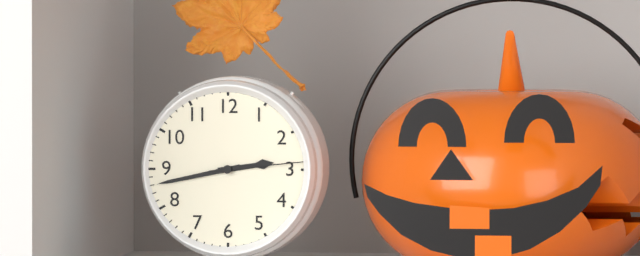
2.43.14
